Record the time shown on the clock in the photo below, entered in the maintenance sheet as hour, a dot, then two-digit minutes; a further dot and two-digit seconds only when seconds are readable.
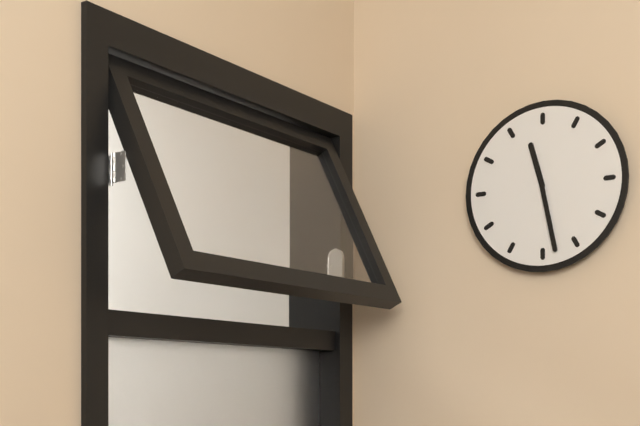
11.28
